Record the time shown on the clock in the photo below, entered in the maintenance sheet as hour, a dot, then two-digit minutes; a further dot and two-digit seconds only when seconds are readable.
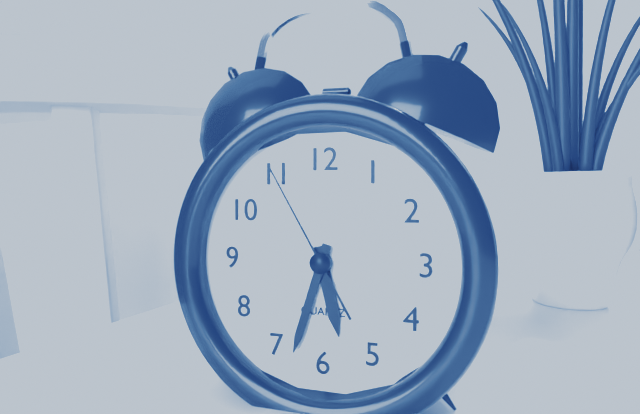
5.33.55
